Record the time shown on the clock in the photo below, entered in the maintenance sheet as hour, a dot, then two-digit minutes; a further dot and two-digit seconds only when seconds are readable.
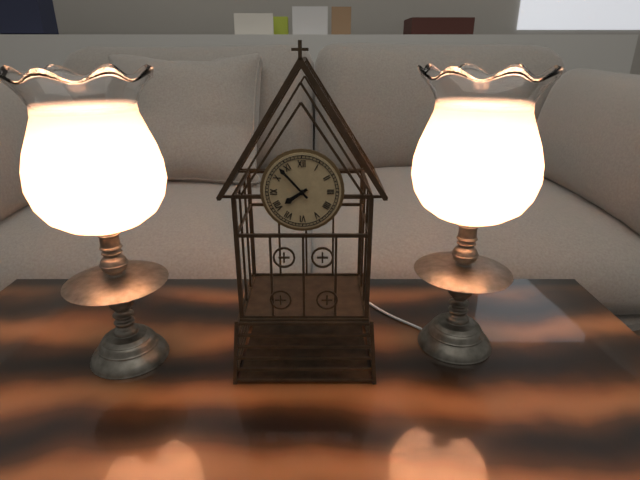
7.53
